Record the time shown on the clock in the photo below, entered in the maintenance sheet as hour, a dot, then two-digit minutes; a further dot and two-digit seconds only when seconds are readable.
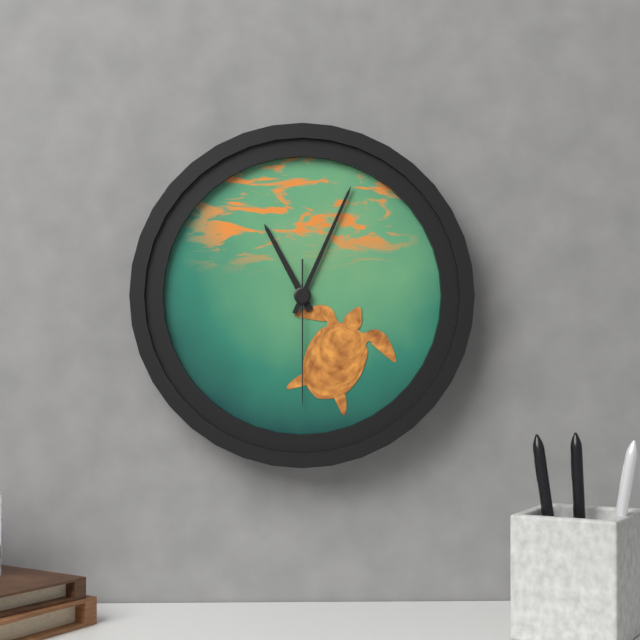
11.04.30
